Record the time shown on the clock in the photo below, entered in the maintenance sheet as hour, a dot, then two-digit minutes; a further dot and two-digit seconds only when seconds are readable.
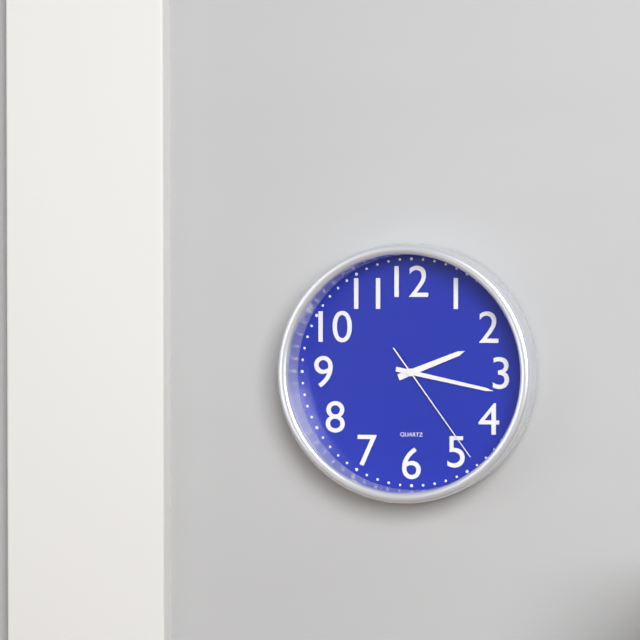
2.17.24
